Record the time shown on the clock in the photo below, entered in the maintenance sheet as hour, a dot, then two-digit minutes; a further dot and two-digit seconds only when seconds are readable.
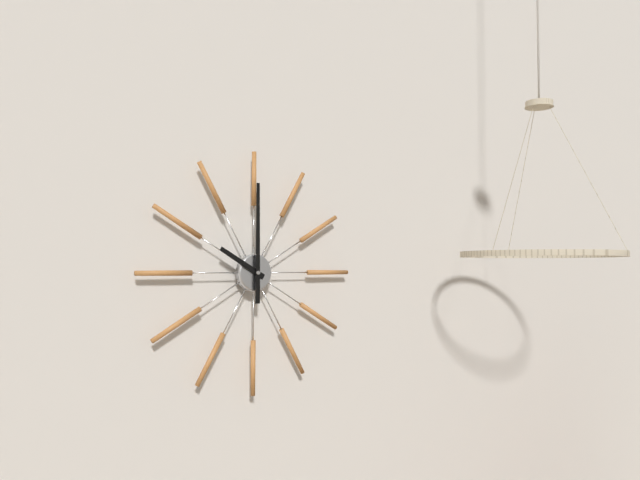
10.00
